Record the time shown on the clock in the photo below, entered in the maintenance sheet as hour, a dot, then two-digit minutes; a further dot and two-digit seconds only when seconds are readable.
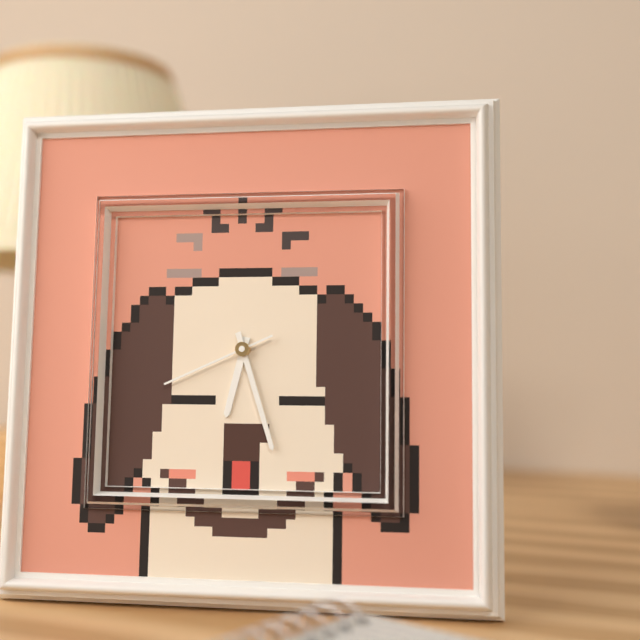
6.27.41
